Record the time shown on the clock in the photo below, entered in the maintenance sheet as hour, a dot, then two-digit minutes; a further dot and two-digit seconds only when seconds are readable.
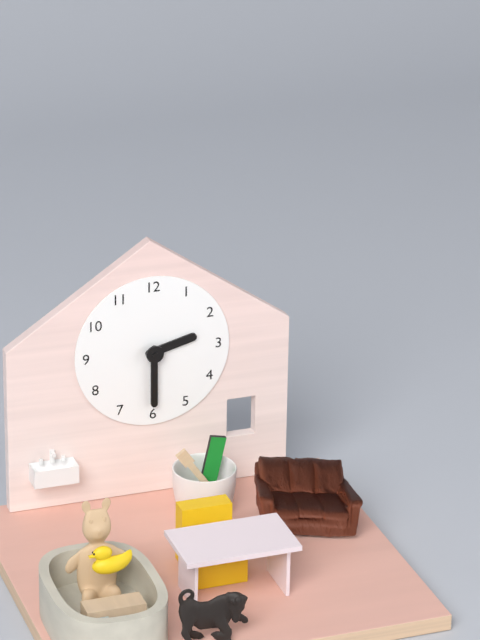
2.30
